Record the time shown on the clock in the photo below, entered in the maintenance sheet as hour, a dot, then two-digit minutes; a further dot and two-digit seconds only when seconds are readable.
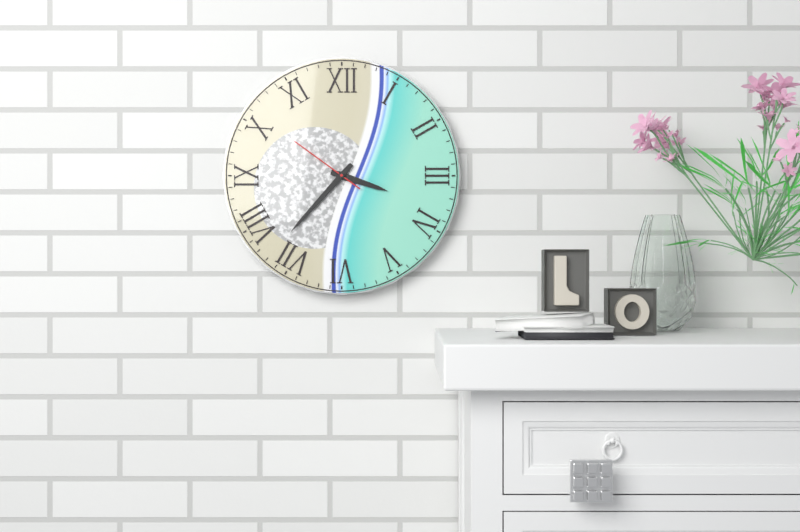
3.37.51
